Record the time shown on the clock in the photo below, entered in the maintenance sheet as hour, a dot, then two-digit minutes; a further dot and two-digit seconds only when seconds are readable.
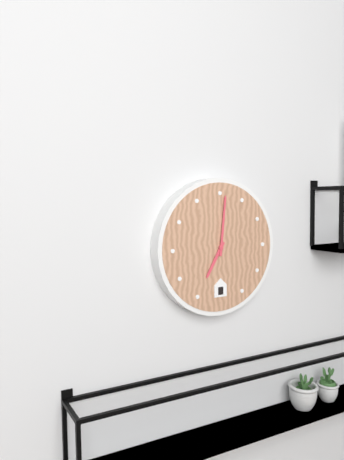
7.01
